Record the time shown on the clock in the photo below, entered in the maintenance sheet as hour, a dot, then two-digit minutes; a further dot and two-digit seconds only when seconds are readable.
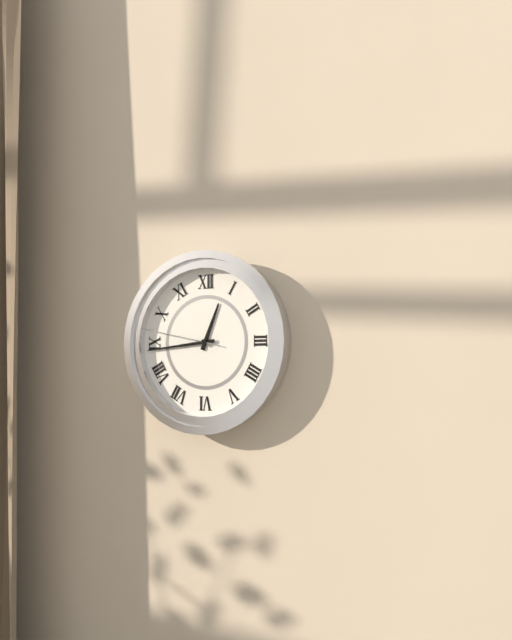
12.44.47
